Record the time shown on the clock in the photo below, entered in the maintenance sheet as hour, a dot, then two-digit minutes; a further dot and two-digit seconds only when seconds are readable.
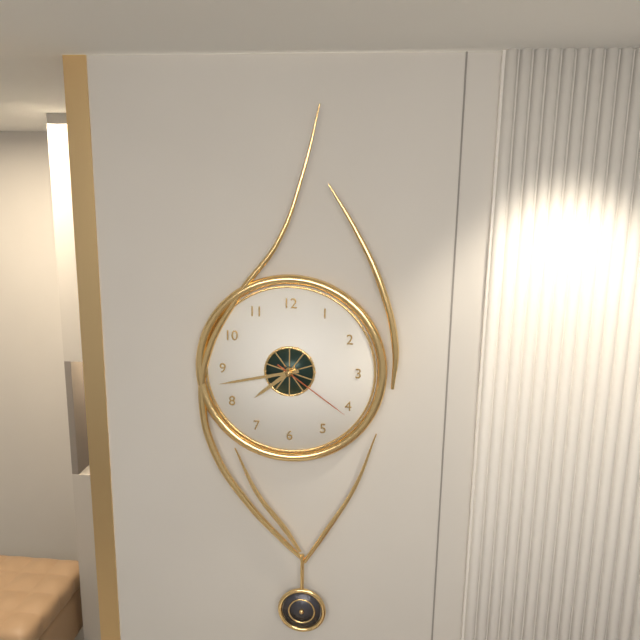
7.43.21
